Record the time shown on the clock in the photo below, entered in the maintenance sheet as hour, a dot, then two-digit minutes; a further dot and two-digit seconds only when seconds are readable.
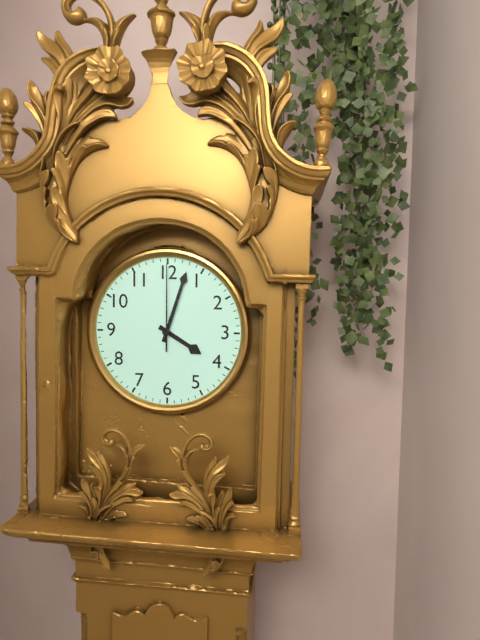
4.03.00
